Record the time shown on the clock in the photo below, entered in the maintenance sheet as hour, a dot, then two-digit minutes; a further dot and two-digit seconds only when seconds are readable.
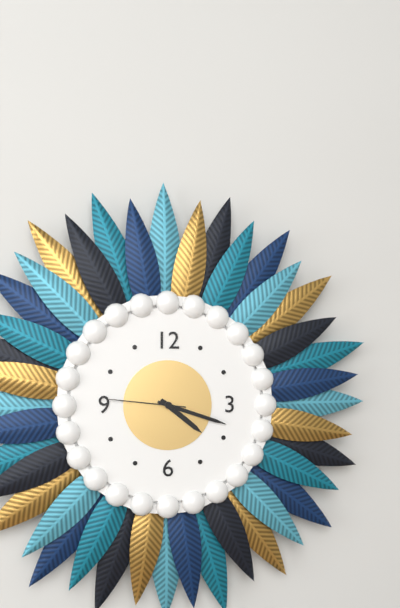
4.18.46
